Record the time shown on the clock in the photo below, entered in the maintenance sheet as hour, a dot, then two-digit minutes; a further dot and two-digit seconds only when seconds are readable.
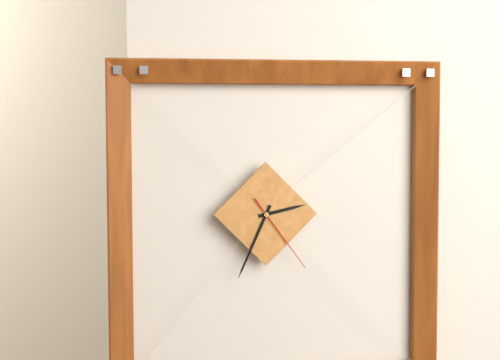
2.34.24
